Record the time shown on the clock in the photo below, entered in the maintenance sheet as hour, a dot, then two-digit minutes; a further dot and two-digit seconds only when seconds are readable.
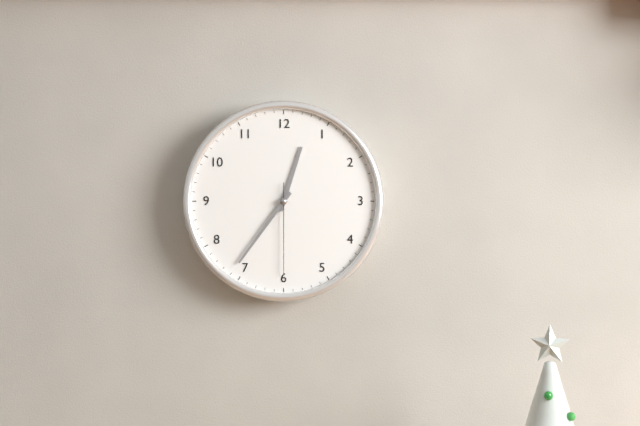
12.36.30
